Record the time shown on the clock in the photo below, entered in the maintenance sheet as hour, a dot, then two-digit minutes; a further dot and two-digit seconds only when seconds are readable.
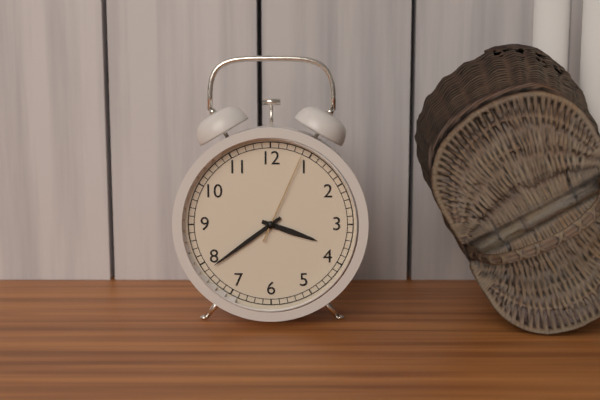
3.39.04
